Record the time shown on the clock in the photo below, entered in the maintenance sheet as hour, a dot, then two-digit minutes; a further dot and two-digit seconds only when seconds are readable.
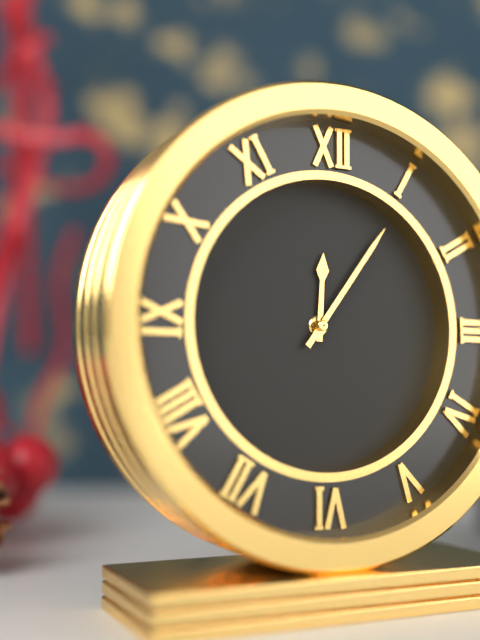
12.06
